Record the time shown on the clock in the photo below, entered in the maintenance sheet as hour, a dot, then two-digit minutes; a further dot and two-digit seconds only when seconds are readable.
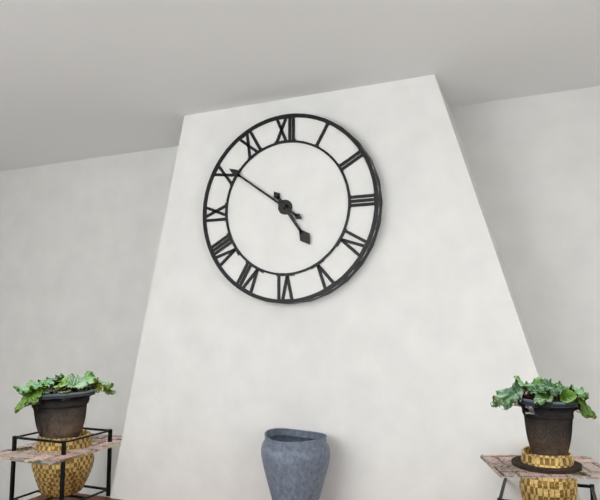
4.51
